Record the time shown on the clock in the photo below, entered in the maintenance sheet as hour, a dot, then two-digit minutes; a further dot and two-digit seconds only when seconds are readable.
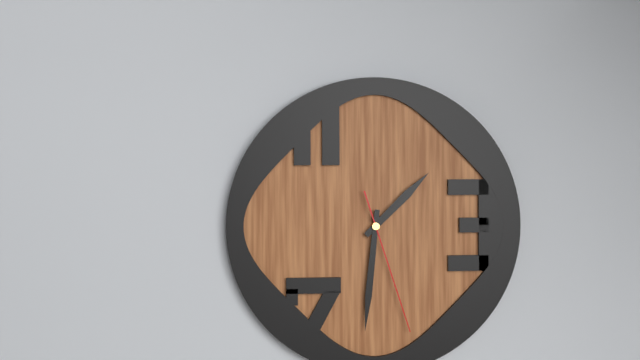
1.31.27
